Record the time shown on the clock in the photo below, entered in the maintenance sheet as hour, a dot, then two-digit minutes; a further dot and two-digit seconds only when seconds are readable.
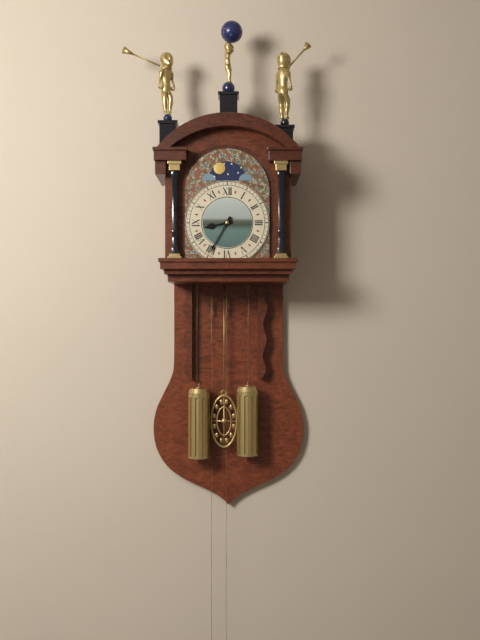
8.35
